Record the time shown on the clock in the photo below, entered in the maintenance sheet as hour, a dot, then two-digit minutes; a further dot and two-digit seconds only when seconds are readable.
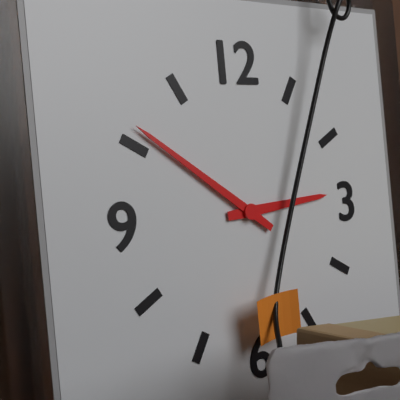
2.51
